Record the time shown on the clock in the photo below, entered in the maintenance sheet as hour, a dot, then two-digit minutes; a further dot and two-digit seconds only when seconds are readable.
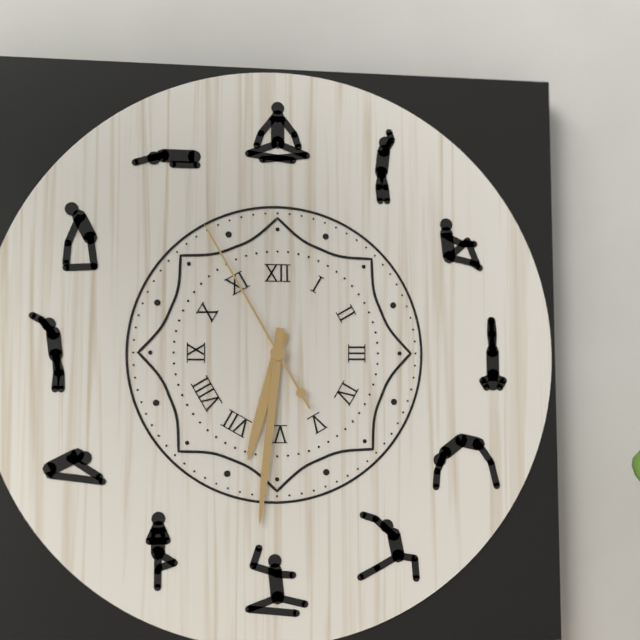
6.31.55
